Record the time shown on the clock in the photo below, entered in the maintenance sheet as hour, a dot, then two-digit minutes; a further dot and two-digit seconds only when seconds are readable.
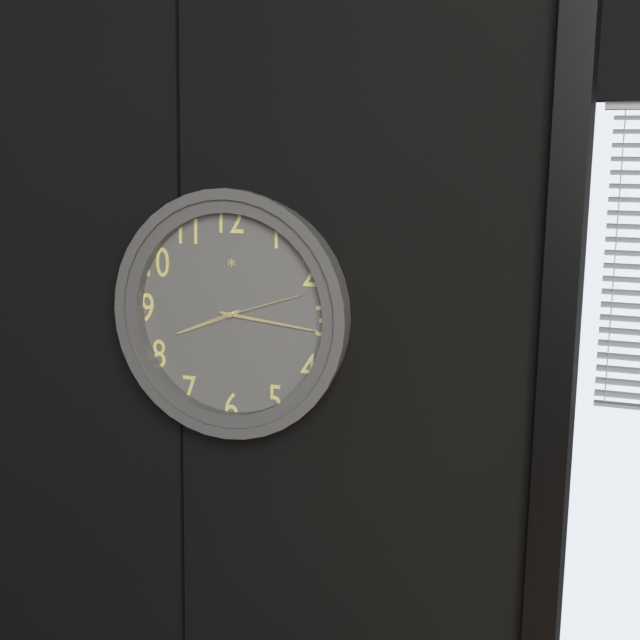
8.16.12
